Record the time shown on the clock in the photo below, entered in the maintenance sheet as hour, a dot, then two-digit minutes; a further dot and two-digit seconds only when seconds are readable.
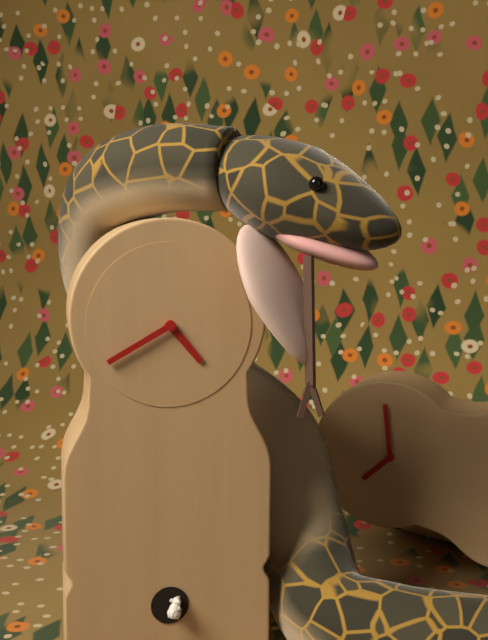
4.40
